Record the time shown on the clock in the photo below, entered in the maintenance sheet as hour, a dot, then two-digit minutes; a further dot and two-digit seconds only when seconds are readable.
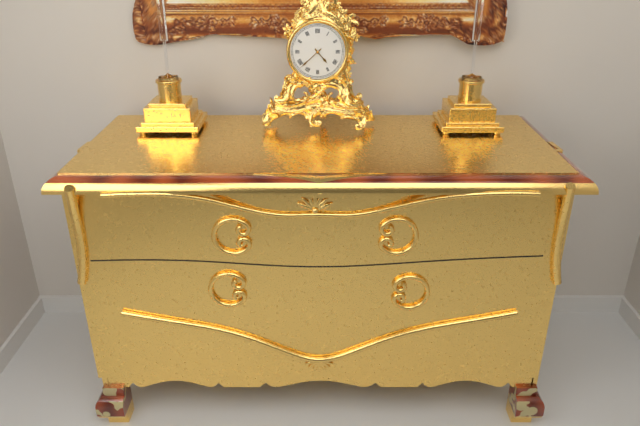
4.38
